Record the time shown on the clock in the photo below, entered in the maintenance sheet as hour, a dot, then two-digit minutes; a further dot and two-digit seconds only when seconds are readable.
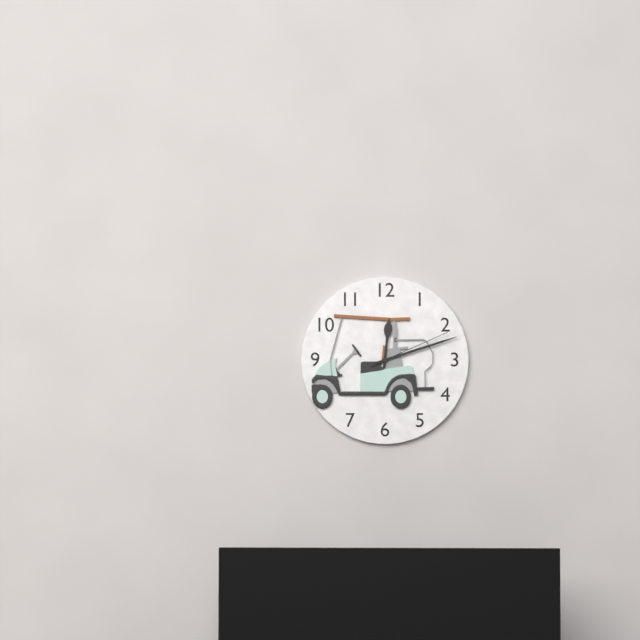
12.12.11
